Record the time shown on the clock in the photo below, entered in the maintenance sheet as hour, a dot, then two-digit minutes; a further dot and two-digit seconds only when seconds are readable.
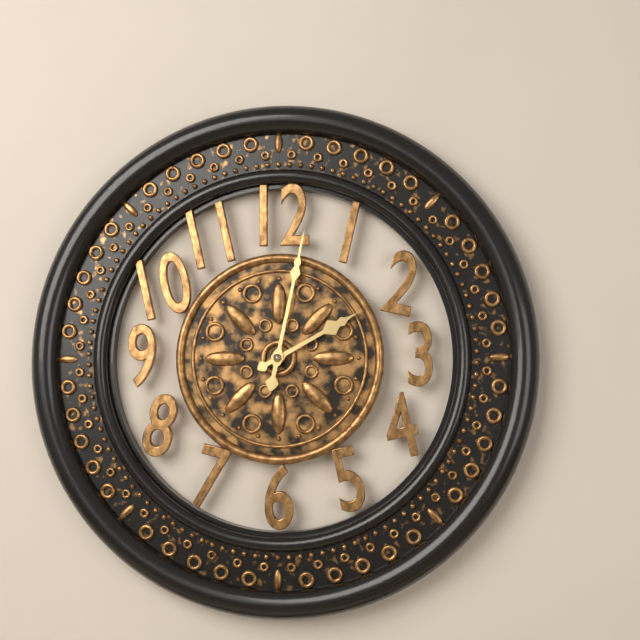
2.02
